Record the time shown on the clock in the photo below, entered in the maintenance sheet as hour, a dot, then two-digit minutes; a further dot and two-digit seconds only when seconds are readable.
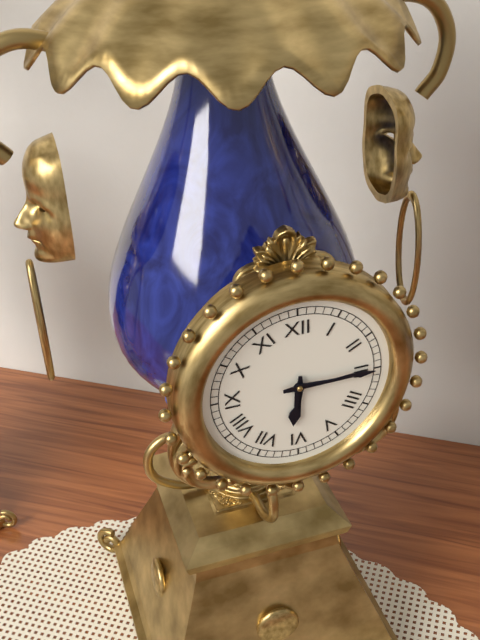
6.15
